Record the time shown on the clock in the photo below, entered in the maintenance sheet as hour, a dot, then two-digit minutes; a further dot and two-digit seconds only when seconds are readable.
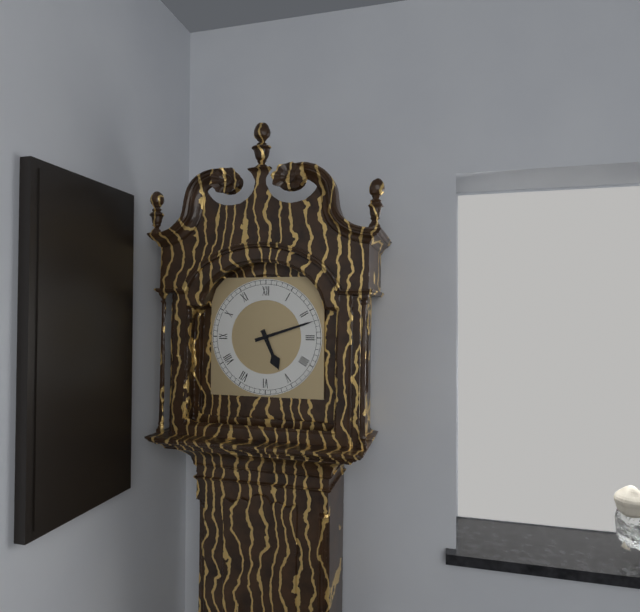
5.12
